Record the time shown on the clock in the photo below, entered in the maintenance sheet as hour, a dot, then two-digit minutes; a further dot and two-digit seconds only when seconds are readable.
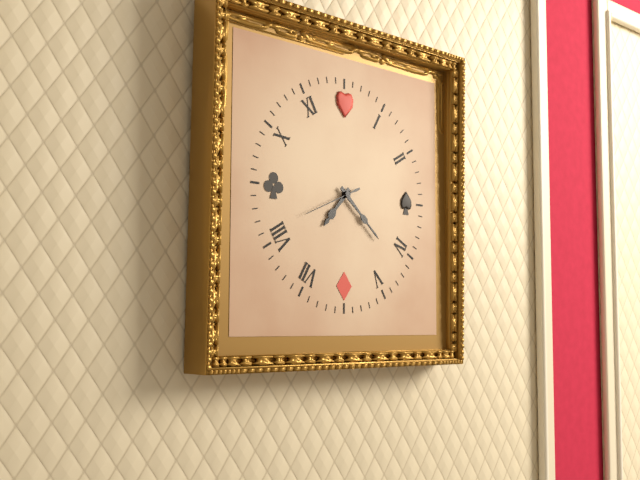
7.22.41
